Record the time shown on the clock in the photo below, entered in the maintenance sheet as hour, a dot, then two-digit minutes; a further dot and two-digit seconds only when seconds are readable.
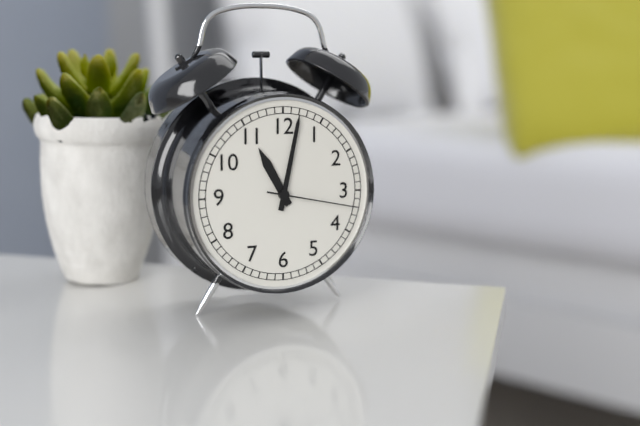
11.02.17
